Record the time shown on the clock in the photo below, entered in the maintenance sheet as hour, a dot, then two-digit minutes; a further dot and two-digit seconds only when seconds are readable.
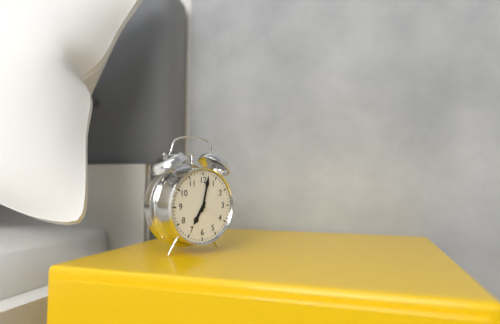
7.02
